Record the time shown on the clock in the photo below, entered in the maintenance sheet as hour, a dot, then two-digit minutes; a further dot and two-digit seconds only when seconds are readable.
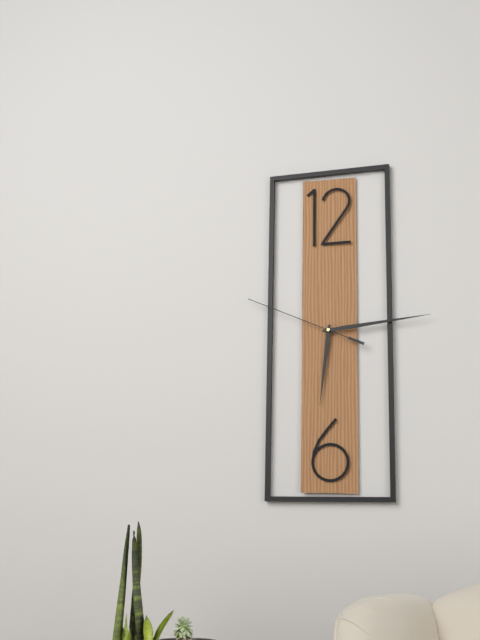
6.14.49
